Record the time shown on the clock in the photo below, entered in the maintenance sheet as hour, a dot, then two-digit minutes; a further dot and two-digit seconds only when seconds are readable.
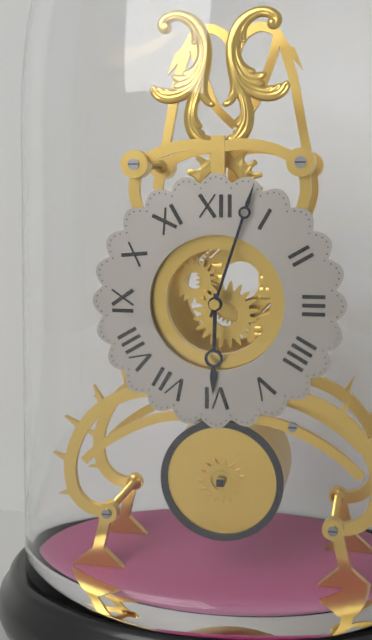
6.03
